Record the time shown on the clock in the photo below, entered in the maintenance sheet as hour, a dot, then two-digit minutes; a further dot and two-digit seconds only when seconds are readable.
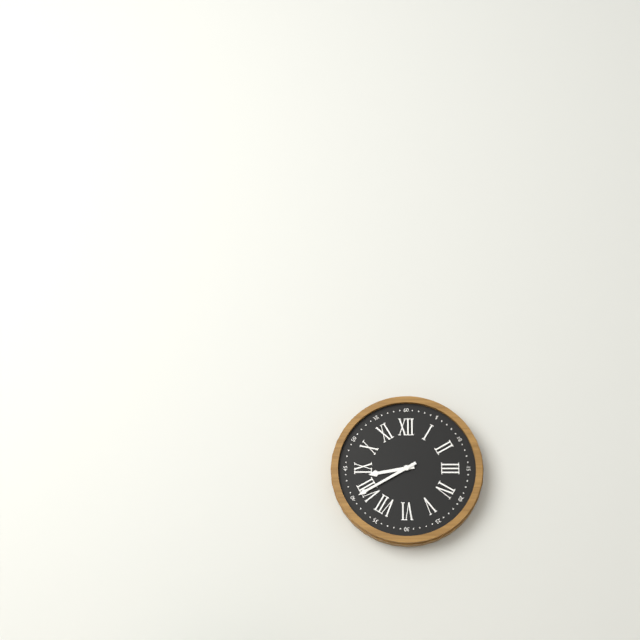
8.40
